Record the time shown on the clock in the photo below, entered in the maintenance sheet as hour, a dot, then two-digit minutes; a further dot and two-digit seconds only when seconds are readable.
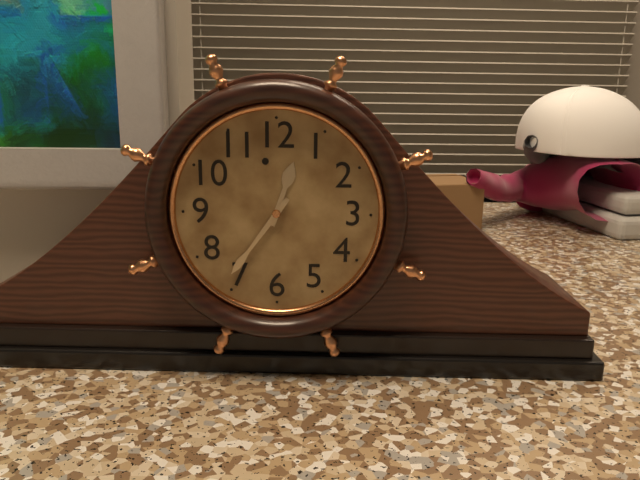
12.36
